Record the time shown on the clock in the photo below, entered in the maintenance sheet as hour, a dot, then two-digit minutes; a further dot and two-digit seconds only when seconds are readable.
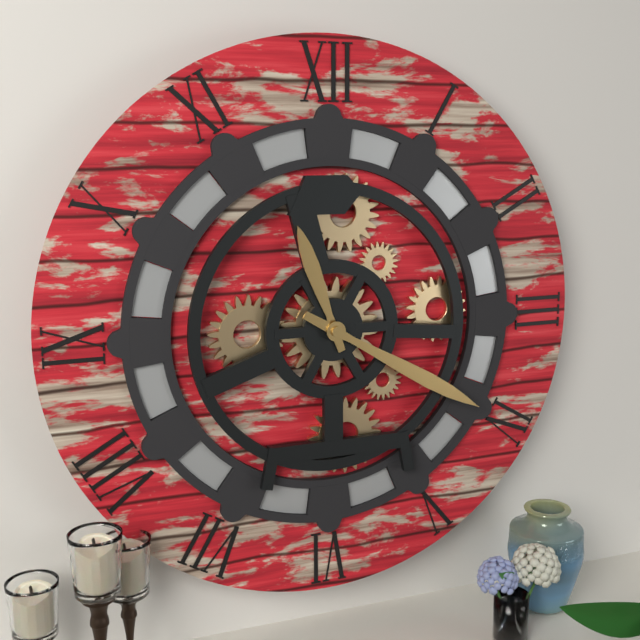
11.20
